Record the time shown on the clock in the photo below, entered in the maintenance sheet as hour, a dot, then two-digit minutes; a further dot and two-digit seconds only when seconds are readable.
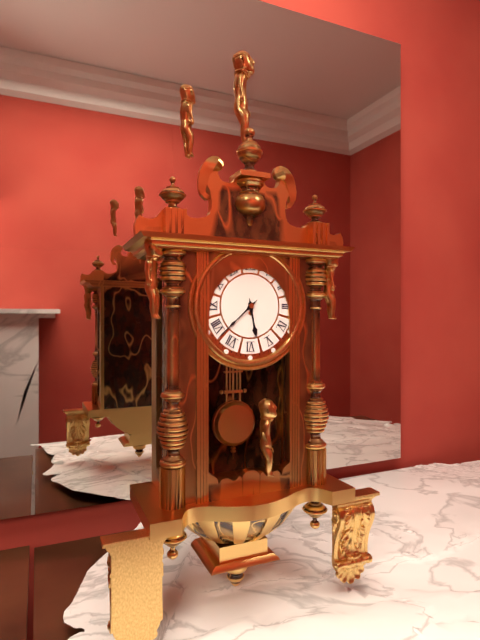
5.38
